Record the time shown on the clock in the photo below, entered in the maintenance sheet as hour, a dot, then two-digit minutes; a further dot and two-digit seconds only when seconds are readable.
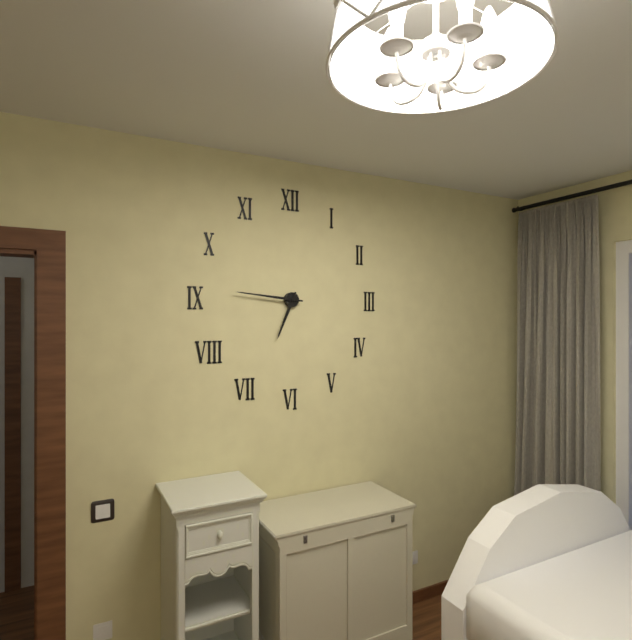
6.46
